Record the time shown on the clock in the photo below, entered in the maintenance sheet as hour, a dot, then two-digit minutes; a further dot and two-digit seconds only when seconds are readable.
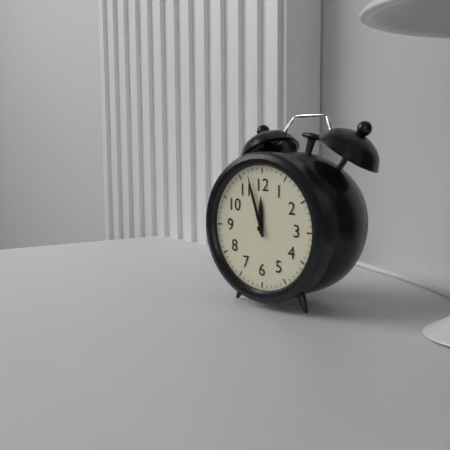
11.57
